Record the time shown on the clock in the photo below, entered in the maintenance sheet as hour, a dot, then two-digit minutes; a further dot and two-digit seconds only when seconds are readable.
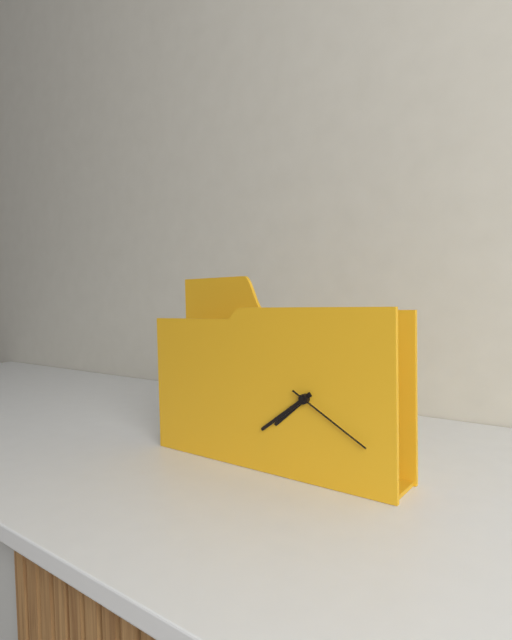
7.39.20
